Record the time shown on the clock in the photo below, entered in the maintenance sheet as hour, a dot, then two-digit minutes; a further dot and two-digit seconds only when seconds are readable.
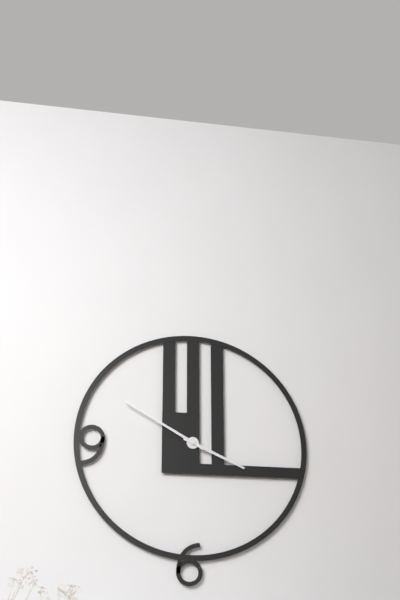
3.50
